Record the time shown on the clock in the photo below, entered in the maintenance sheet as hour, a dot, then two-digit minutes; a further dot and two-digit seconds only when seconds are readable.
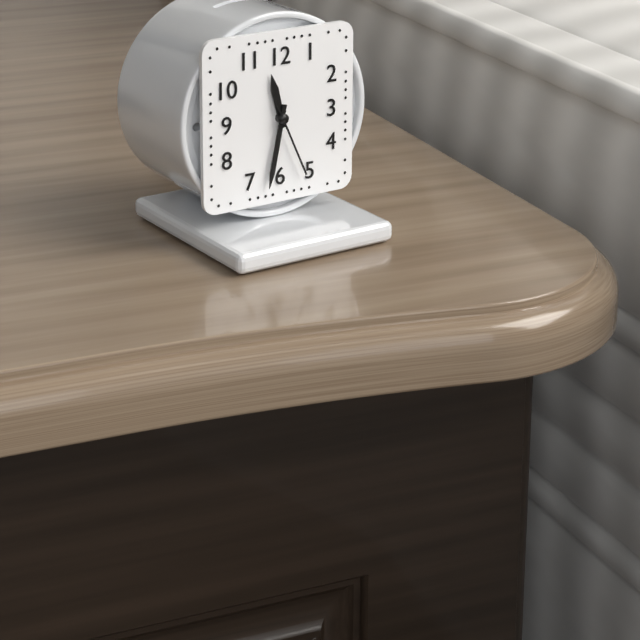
11.32.26
